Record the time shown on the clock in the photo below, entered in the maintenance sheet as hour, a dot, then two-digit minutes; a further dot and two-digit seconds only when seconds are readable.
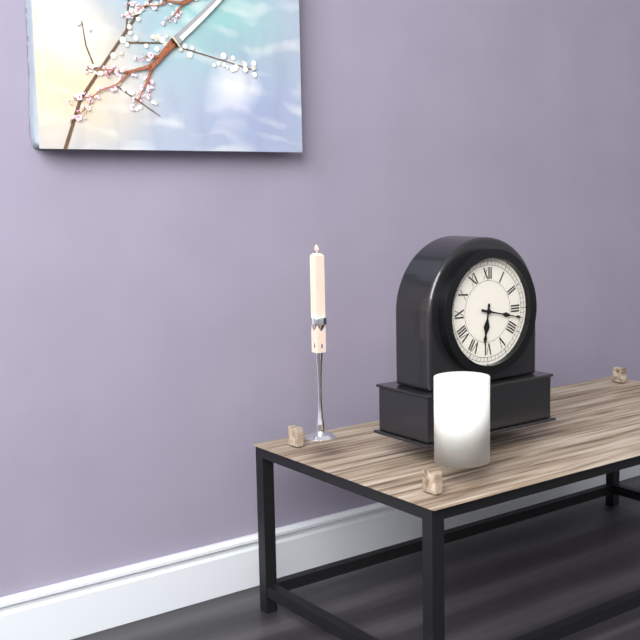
6.17
